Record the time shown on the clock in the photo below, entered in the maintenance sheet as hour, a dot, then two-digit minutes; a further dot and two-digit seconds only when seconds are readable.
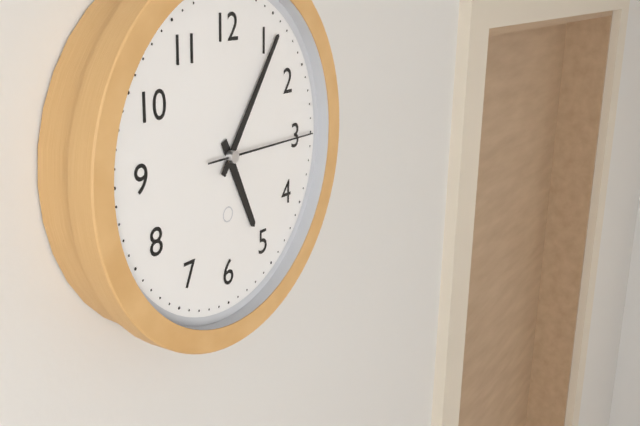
5.06.15
